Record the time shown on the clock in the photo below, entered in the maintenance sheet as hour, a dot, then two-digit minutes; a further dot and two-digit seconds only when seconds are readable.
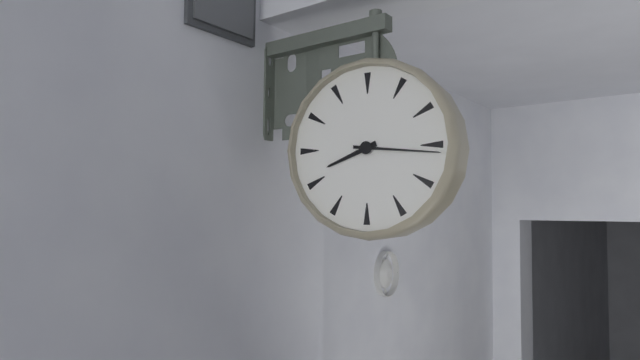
8.16
